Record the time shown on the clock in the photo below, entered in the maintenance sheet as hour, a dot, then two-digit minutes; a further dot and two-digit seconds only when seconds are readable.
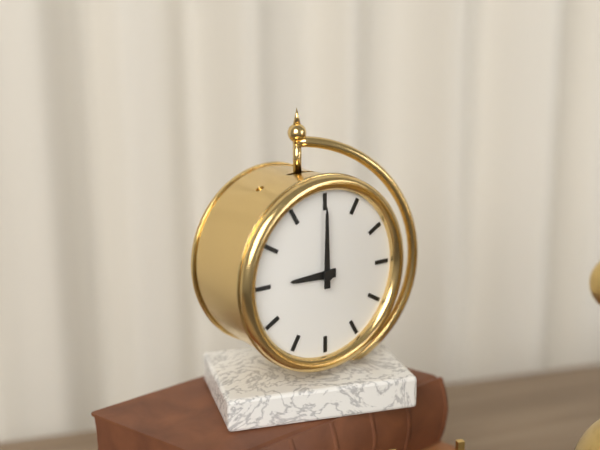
9.00
